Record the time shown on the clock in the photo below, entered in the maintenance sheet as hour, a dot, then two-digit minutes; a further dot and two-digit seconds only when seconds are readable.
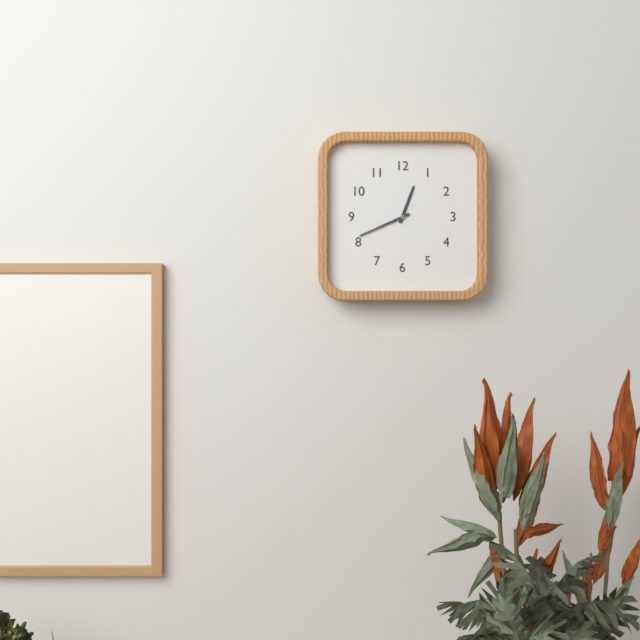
12.41
